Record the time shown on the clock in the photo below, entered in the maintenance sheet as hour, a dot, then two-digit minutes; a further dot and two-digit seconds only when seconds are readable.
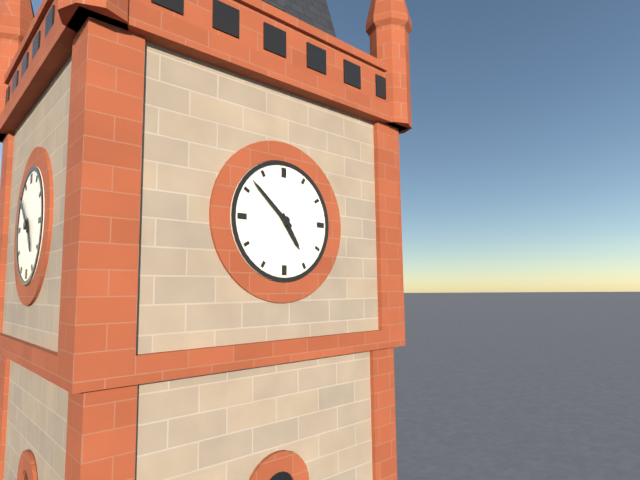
4.52
